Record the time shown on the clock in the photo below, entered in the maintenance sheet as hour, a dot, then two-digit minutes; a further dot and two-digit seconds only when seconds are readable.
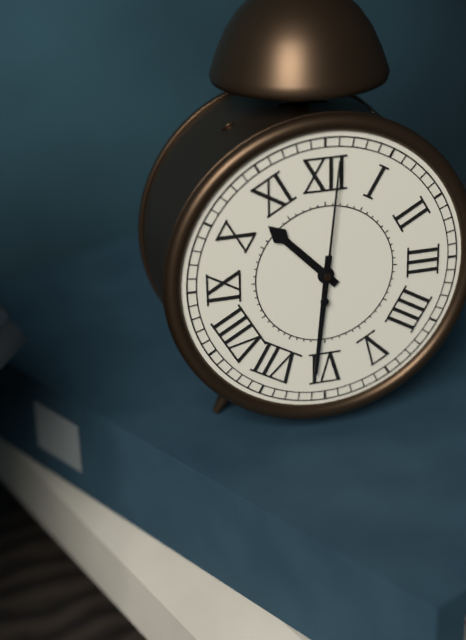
10.31.01
